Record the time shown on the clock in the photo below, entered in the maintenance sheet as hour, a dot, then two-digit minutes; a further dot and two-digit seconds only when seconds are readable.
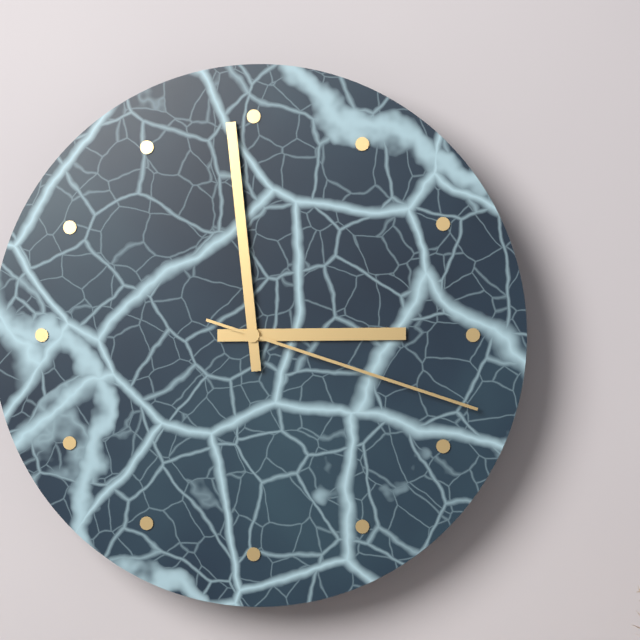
2.59.18
